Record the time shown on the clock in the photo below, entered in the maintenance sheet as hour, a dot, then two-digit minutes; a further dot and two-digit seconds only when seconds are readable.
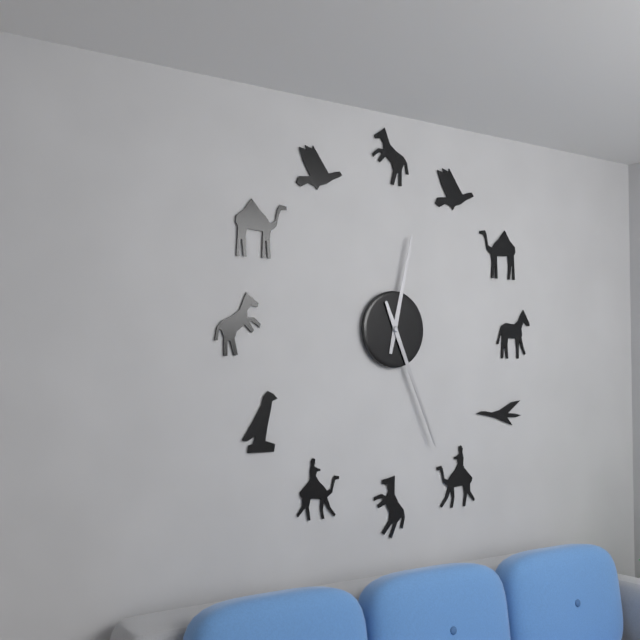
12.26
